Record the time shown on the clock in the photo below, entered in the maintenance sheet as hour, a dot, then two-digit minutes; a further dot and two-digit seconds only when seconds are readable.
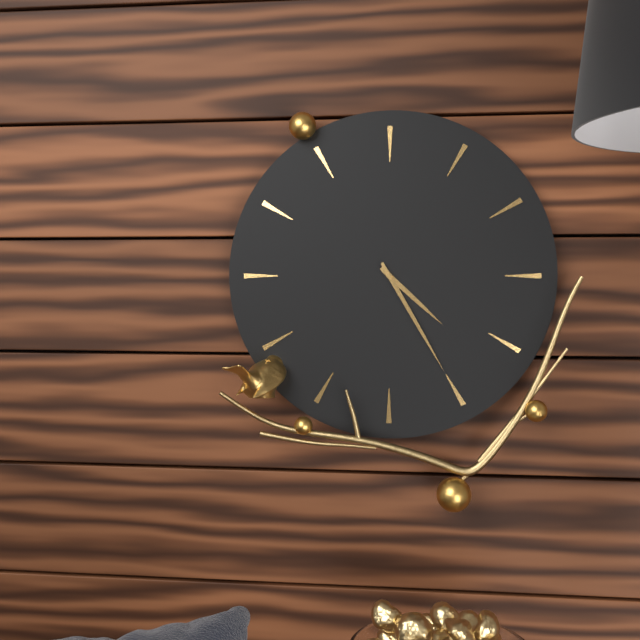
4.25
